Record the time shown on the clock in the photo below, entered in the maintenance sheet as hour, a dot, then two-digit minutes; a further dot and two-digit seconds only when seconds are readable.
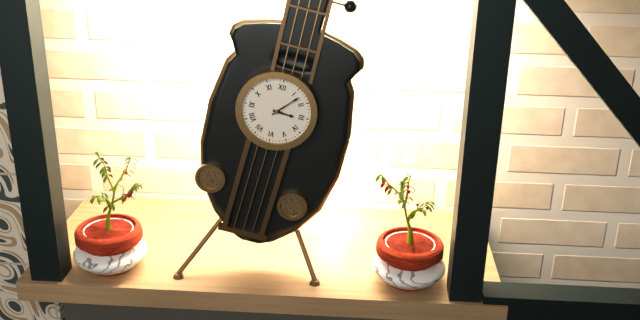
3.07
